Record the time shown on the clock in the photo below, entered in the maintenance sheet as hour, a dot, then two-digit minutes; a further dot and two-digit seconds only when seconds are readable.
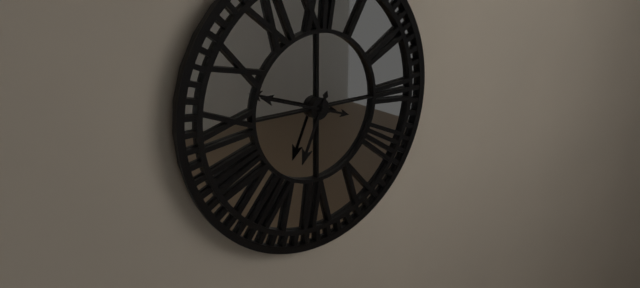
6.48
